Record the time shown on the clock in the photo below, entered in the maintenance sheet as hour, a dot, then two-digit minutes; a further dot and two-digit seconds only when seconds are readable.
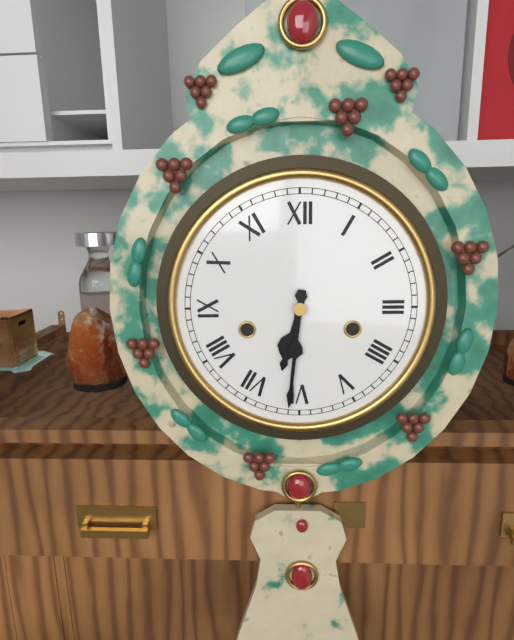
6.31
